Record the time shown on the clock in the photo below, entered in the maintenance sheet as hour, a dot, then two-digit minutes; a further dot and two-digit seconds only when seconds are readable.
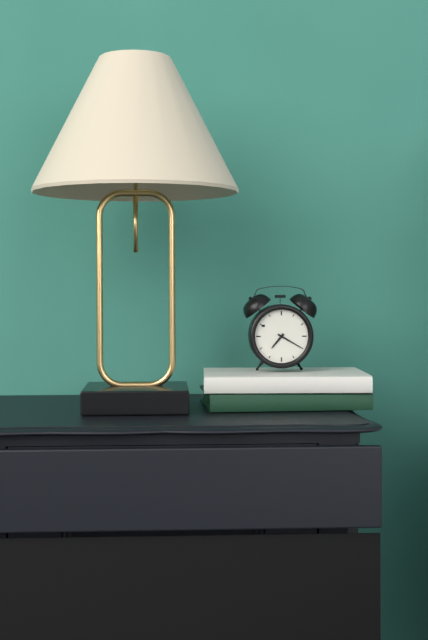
7.20
